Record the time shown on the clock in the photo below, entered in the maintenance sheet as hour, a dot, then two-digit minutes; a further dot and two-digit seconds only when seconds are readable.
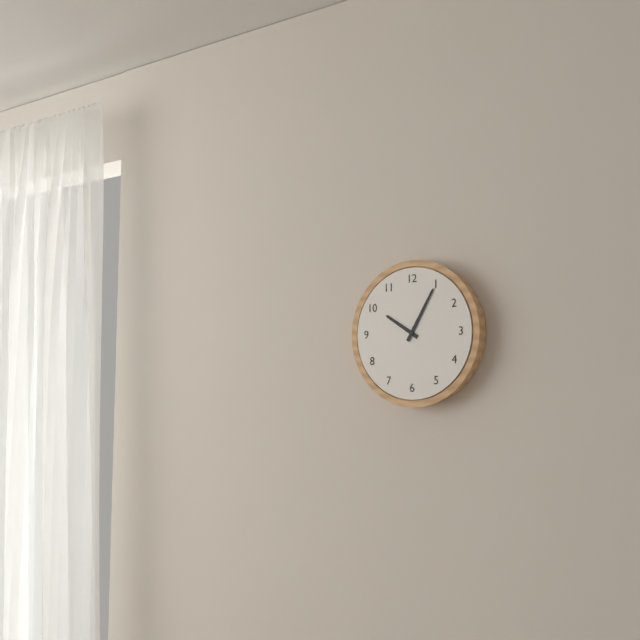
10.05
